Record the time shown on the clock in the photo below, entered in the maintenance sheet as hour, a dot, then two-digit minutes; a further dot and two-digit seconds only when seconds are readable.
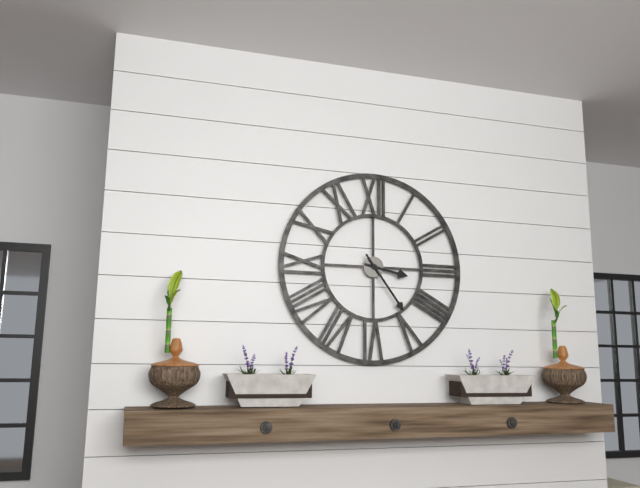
3.24
